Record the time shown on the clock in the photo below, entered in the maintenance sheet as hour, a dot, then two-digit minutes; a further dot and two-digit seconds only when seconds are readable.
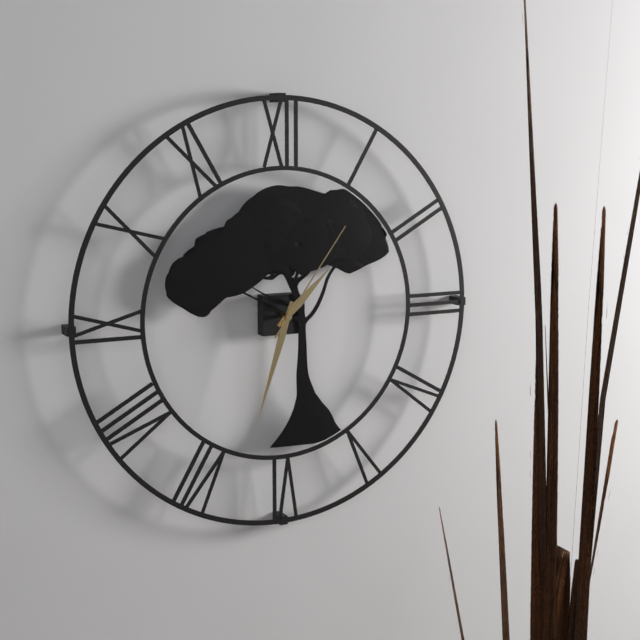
1.33.06
